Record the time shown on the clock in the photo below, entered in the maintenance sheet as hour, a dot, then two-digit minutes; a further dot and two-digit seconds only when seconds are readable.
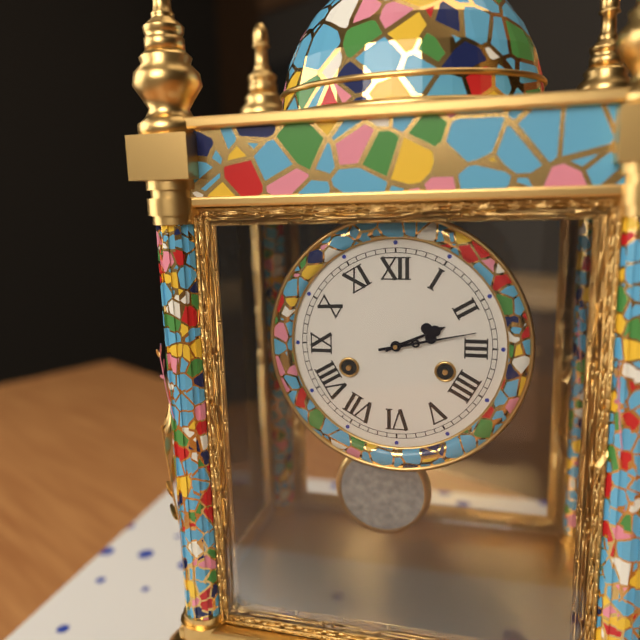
2.13
